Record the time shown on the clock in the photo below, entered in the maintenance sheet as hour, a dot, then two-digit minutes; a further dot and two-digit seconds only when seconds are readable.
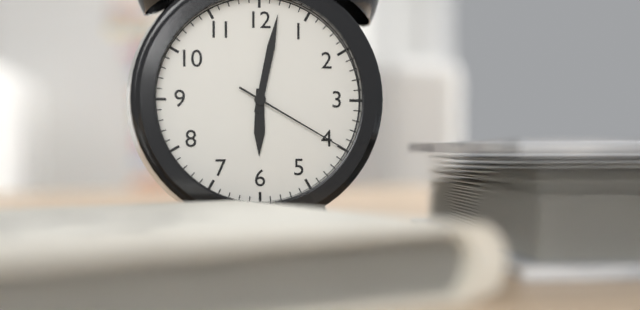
6.02.20
